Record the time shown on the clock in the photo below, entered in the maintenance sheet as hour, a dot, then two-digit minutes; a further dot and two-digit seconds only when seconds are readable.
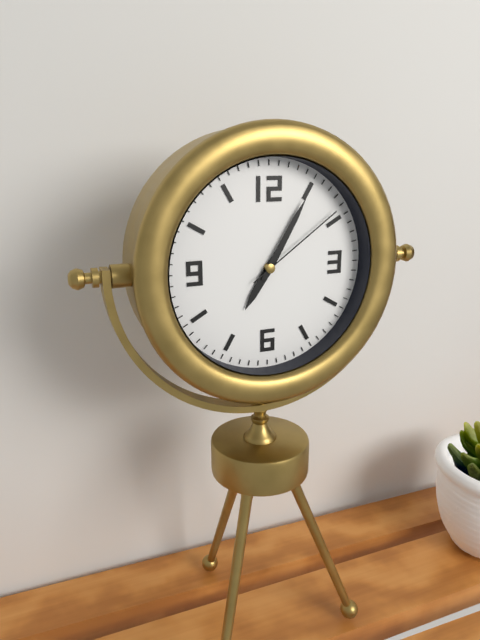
7.05.09
